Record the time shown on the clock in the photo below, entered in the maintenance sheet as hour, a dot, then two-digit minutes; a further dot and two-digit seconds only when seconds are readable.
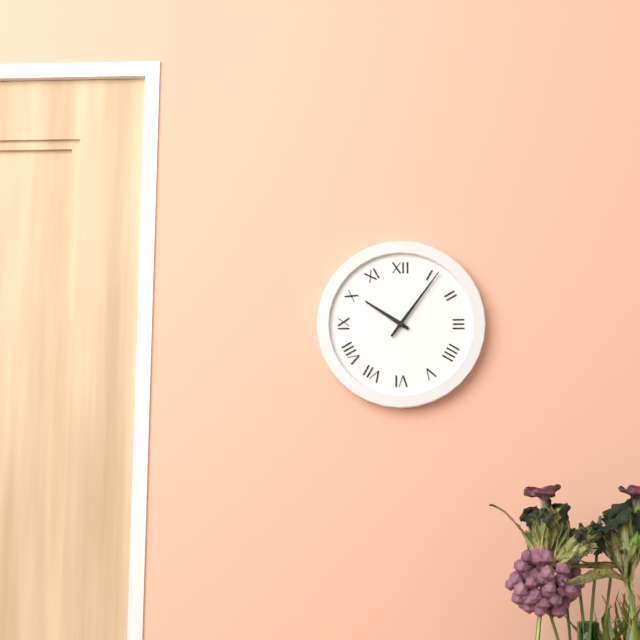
10.06
